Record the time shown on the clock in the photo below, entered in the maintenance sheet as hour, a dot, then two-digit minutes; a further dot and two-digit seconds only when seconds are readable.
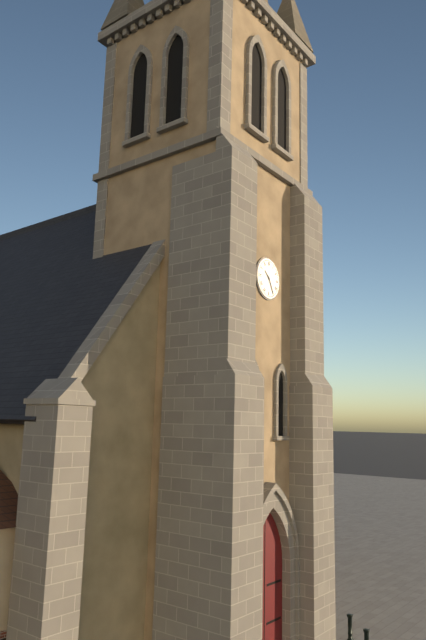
10.25
